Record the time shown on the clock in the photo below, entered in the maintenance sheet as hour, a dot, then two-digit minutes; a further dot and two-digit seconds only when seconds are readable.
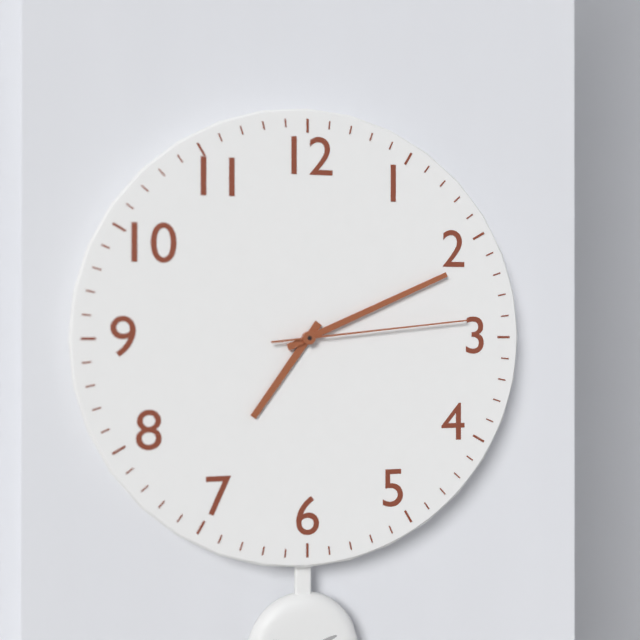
7.11.14
